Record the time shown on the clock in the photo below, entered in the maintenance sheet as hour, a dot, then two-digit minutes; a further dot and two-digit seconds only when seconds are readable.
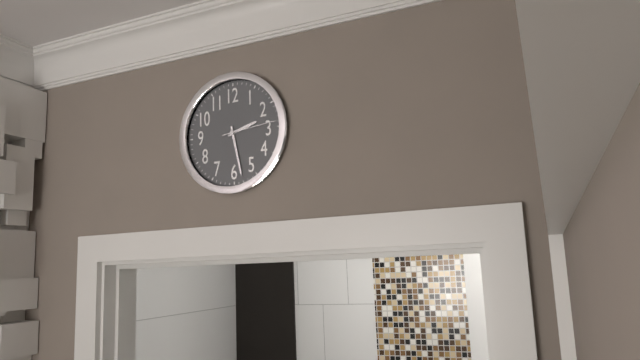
2.28.14
